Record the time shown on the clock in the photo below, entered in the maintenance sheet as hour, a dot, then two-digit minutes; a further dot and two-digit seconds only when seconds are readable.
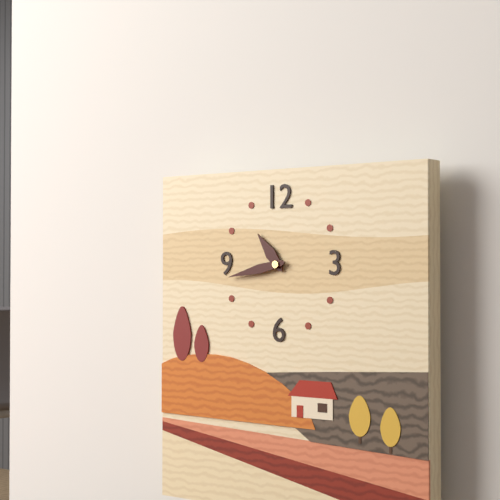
10.43
